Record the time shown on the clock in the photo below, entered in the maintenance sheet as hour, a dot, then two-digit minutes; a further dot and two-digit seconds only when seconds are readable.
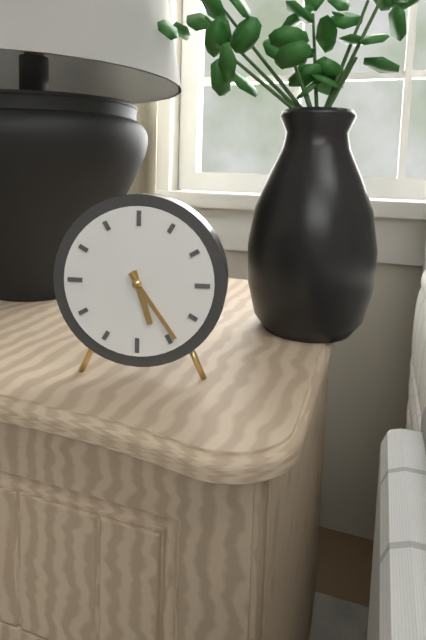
5.24
